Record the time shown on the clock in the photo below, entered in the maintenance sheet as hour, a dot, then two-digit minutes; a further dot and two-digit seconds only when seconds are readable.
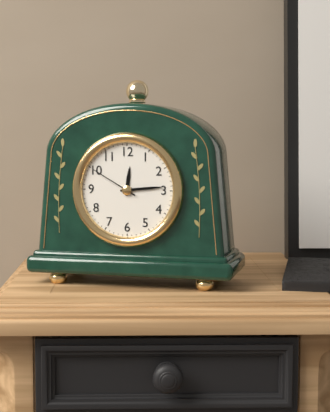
12.14.50
